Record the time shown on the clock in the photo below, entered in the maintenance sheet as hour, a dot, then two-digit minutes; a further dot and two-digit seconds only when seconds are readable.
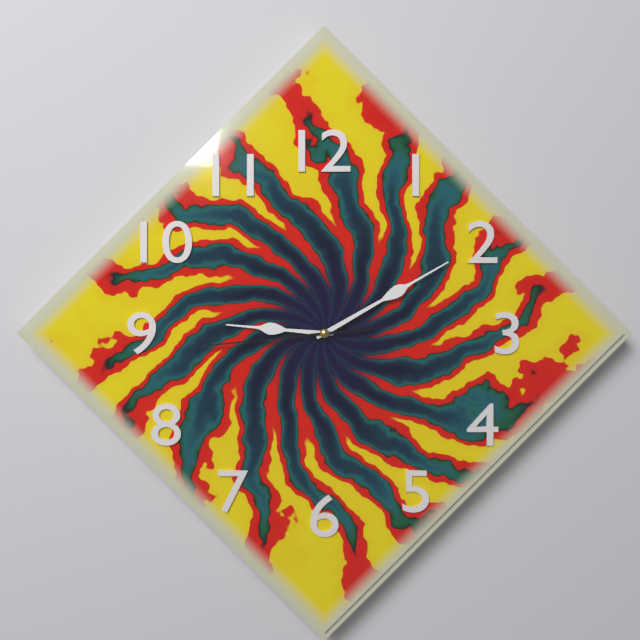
9.10.44
